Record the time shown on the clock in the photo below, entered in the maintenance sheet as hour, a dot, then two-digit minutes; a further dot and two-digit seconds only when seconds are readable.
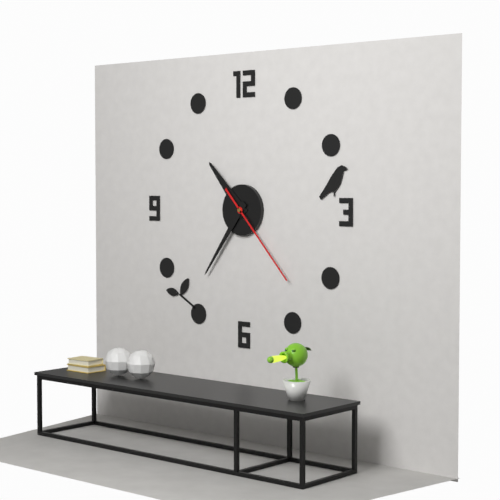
10.36.23
